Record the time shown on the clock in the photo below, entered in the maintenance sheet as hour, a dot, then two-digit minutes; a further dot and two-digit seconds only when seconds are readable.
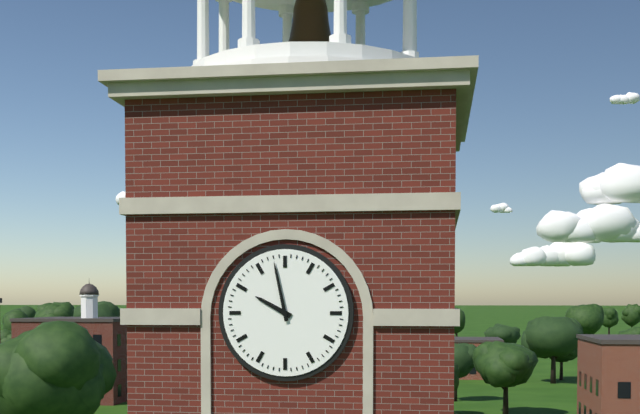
9.58
